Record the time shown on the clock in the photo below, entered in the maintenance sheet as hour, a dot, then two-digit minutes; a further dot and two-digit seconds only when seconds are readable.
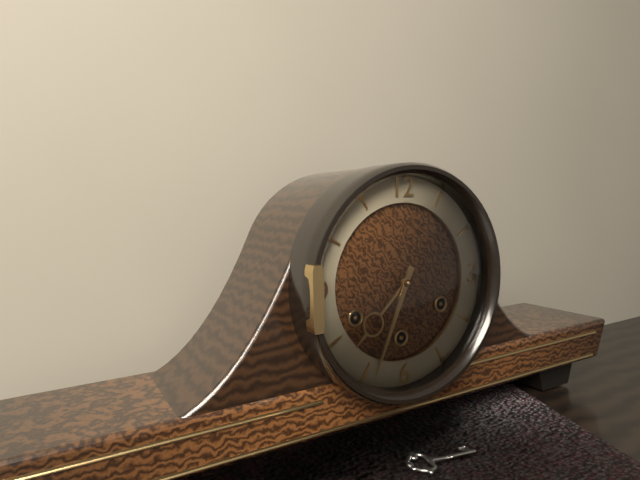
7.34
